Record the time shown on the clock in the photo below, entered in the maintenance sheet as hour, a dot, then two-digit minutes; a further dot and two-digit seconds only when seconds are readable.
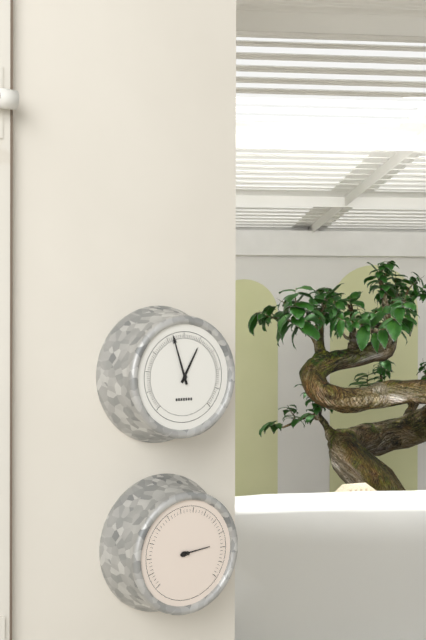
12.57
